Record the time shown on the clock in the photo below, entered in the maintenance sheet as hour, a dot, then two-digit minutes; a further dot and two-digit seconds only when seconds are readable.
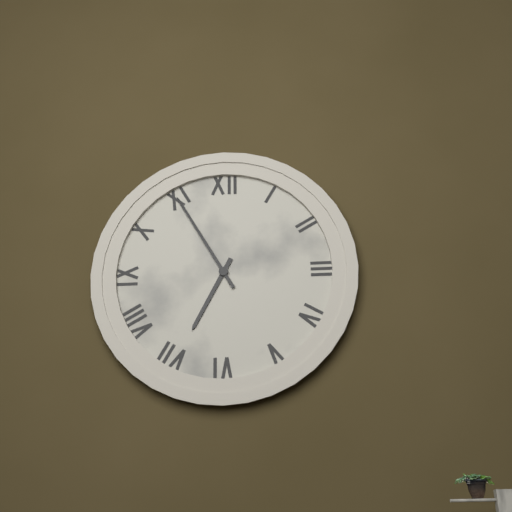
6.55
